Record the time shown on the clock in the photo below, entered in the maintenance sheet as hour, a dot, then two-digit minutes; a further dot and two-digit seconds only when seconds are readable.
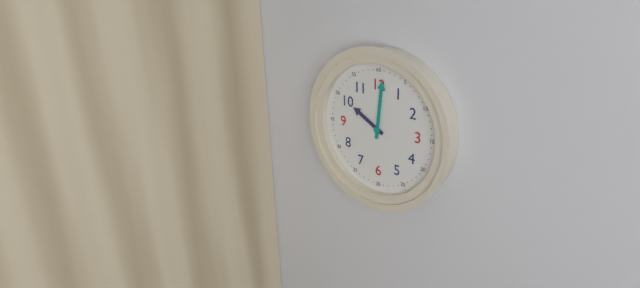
10.01
